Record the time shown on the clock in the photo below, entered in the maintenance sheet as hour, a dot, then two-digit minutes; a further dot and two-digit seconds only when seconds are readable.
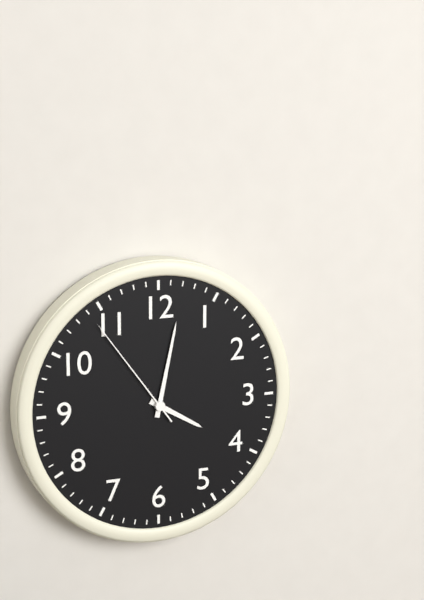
4.02.54
